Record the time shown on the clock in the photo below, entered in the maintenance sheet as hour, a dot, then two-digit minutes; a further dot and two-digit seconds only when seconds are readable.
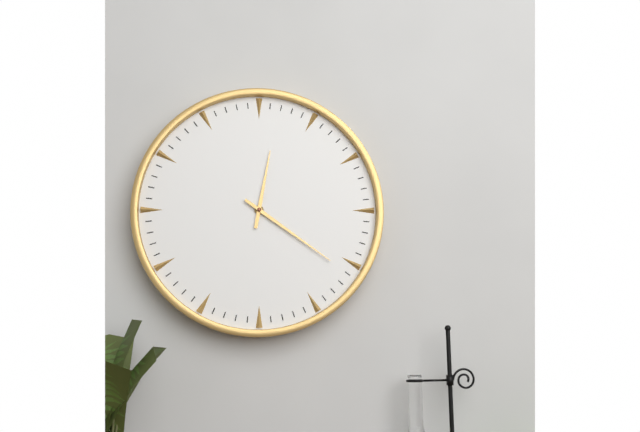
12.21
